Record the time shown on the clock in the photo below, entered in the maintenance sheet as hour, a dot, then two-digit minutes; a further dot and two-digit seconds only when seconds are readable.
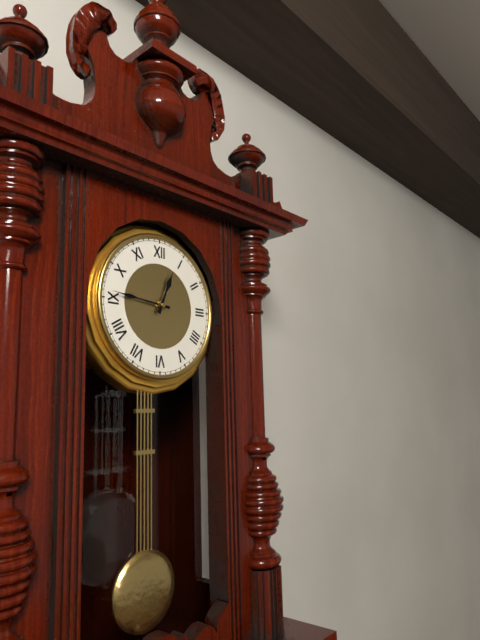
12.46
